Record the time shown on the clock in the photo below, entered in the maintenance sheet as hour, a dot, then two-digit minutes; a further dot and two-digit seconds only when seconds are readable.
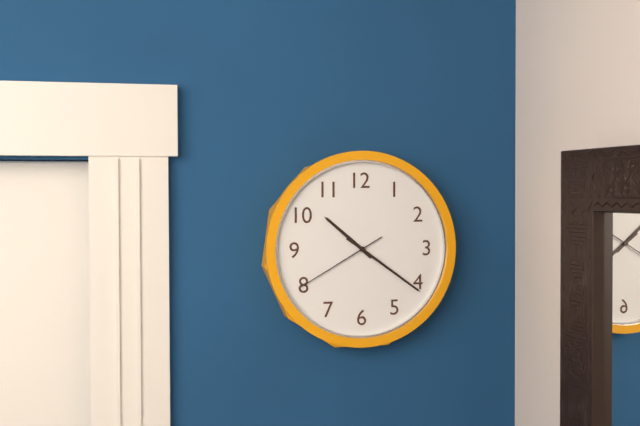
10.21.40
